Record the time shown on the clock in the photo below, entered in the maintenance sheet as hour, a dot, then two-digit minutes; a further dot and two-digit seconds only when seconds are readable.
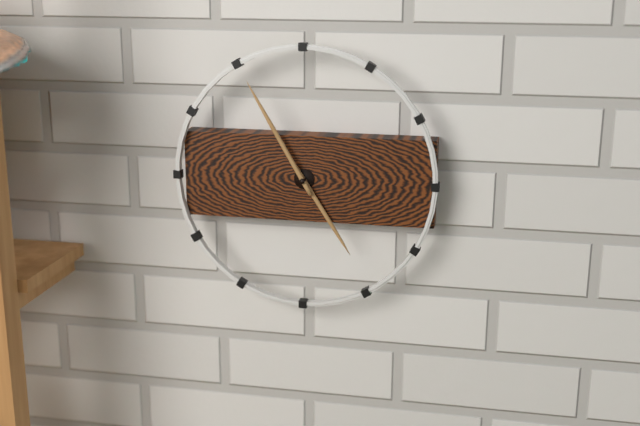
4.55
